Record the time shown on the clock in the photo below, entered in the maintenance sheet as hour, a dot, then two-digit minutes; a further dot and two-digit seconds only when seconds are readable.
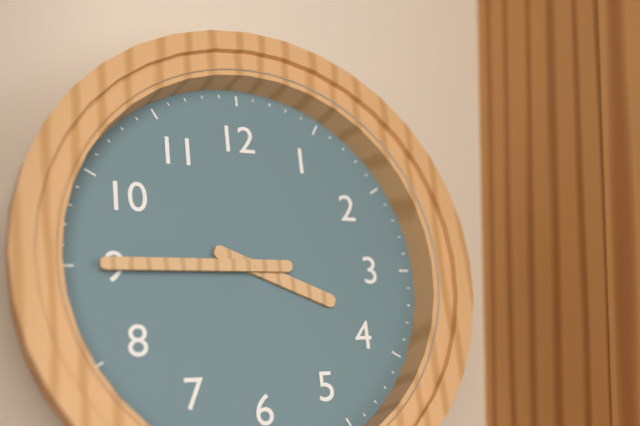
3.45
